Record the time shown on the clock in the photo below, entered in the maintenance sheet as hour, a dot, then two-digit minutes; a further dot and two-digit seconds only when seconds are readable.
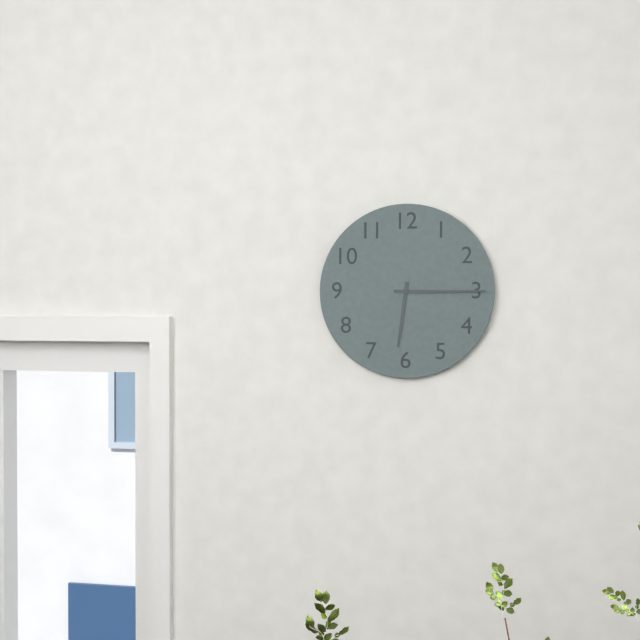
6.15
